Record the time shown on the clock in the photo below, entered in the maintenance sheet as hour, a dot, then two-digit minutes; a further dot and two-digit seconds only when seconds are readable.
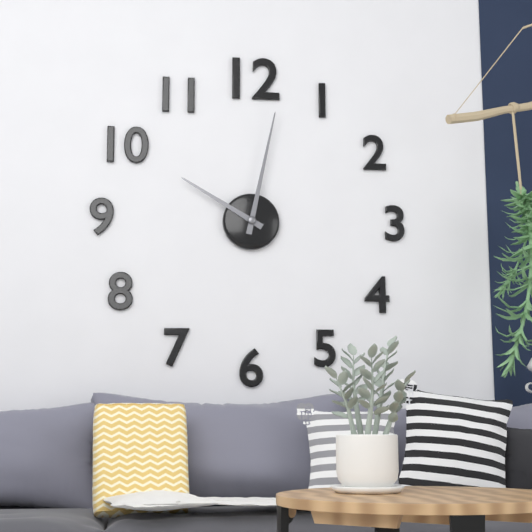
10.02
